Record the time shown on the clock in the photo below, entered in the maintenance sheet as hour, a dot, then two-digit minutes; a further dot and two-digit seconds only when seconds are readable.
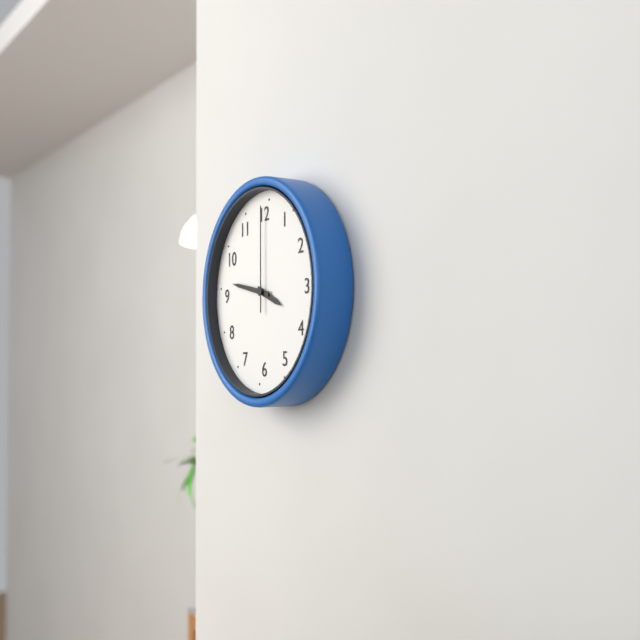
3.47.00
